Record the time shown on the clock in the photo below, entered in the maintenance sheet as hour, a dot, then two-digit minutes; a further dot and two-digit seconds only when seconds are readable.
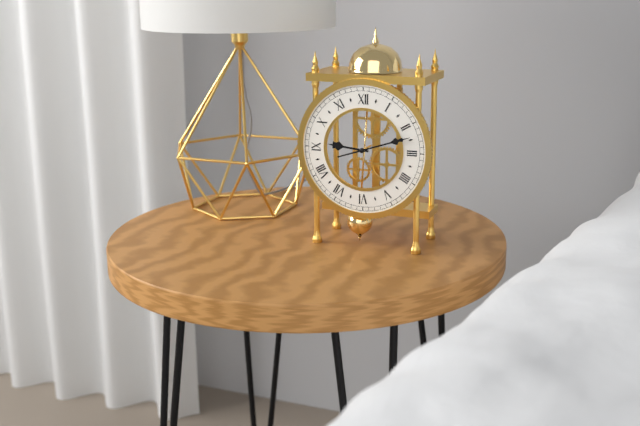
9.12
